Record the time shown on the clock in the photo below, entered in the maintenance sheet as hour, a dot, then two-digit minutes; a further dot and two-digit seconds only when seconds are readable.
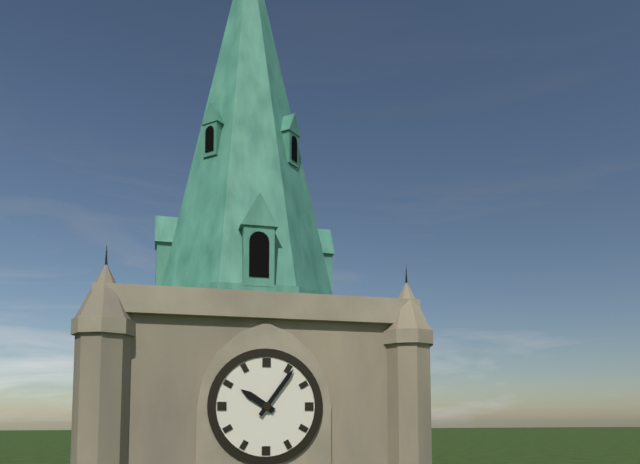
10.06
